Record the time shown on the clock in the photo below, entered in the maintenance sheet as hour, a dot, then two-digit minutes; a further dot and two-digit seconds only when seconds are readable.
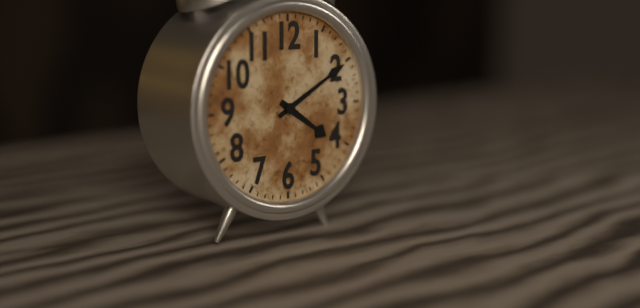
4.10
